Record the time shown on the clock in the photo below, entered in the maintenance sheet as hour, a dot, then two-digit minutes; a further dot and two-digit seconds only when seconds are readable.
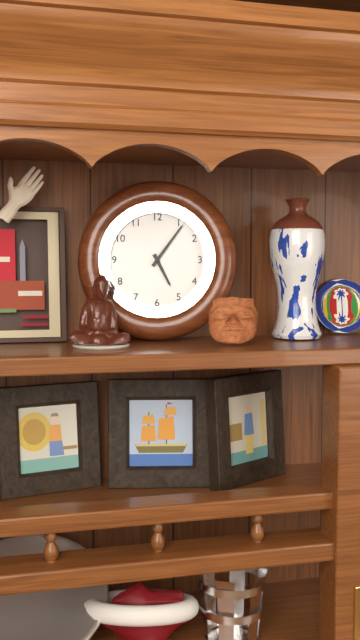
5.06
